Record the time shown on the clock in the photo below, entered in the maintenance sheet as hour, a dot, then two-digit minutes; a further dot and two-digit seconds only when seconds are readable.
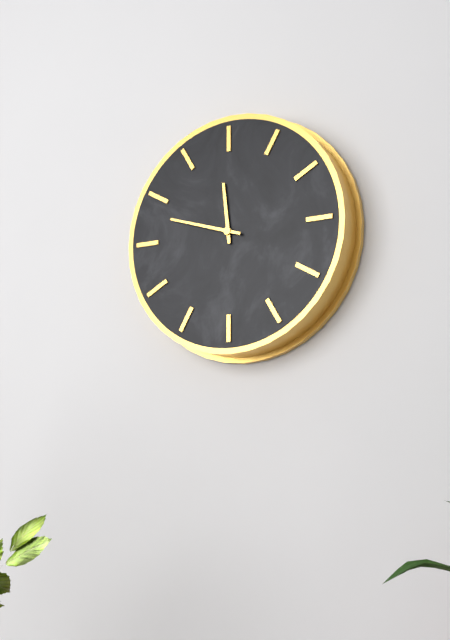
11.48
